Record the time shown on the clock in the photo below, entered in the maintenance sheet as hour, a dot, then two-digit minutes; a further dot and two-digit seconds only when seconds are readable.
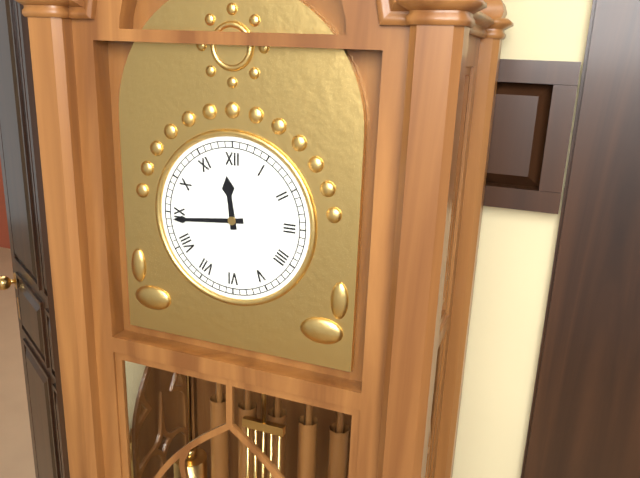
11.44
